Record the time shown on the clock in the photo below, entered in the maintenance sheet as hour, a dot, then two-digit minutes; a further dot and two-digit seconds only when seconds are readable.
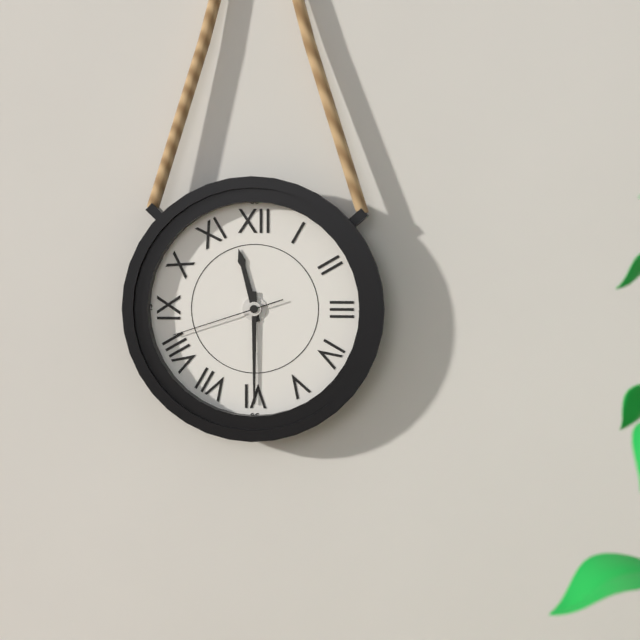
11.30.42
